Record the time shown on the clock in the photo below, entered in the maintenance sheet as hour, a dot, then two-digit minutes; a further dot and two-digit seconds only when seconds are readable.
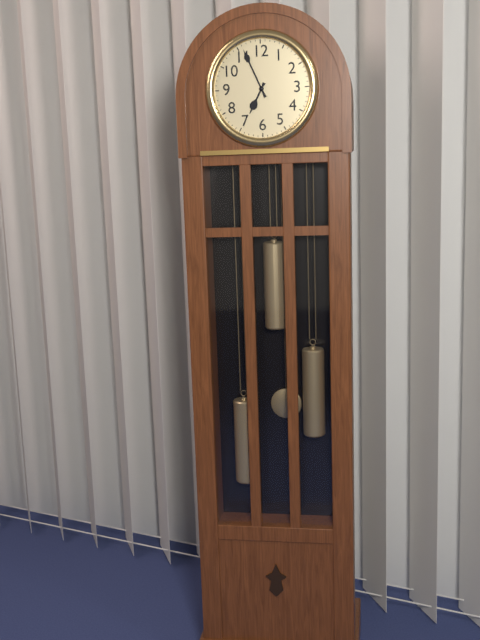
6.56
